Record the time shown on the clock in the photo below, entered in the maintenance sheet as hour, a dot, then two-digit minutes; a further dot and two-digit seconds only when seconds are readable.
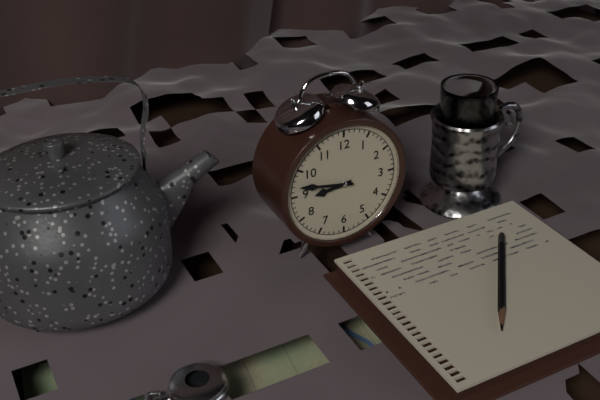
8.47
